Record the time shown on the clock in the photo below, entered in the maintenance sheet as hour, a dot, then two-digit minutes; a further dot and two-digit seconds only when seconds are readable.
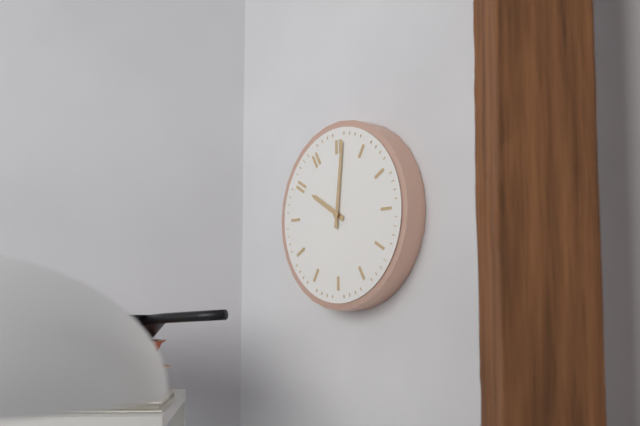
10.01
